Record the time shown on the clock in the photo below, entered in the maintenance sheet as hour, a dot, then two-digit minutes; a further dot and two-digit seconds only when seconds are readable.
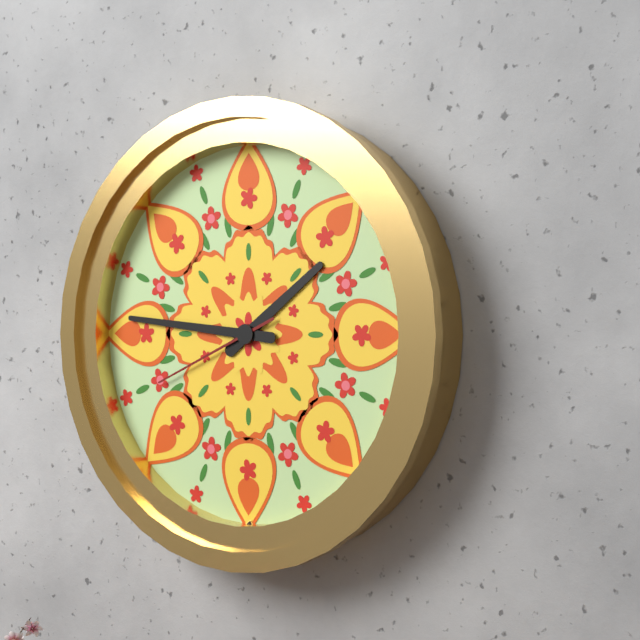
1.46.41
